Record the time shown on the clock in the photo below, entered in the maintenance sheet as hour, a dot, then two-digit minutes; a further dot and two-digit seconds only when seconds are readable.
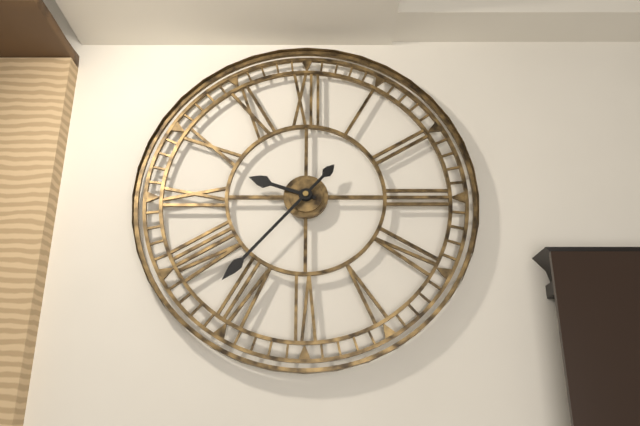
9.37
